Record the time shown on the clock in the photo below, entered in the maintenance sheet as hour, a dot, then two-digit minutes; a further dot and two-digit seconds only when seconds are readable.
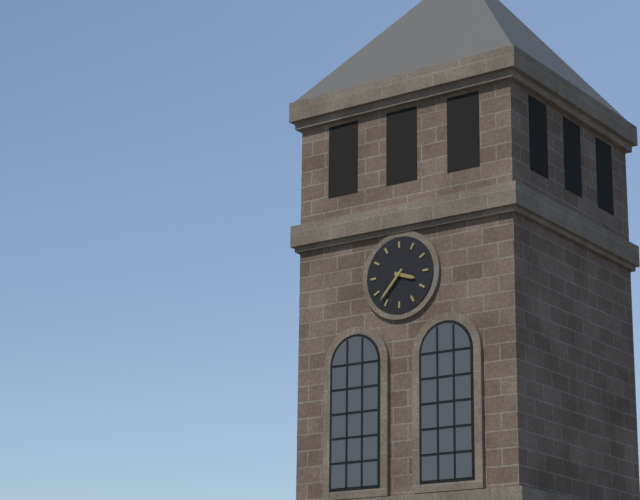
3.37
